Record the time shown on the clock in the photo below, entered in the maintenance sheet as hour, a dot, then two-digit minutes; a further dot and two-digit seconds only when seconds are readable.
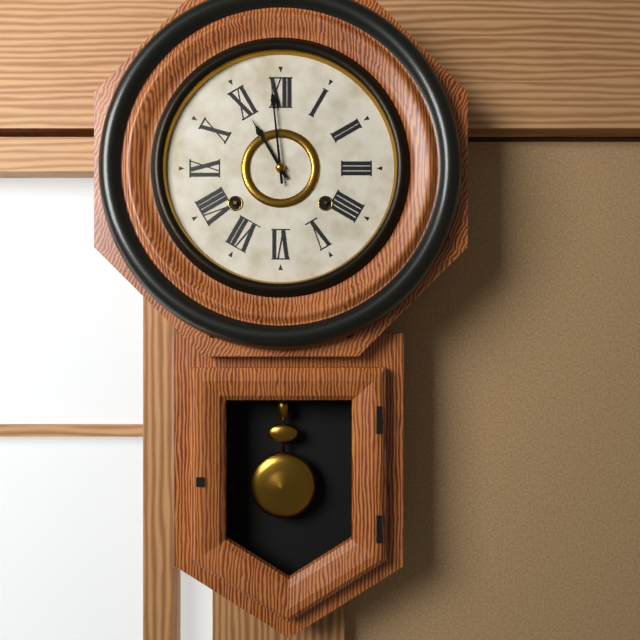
10.59
